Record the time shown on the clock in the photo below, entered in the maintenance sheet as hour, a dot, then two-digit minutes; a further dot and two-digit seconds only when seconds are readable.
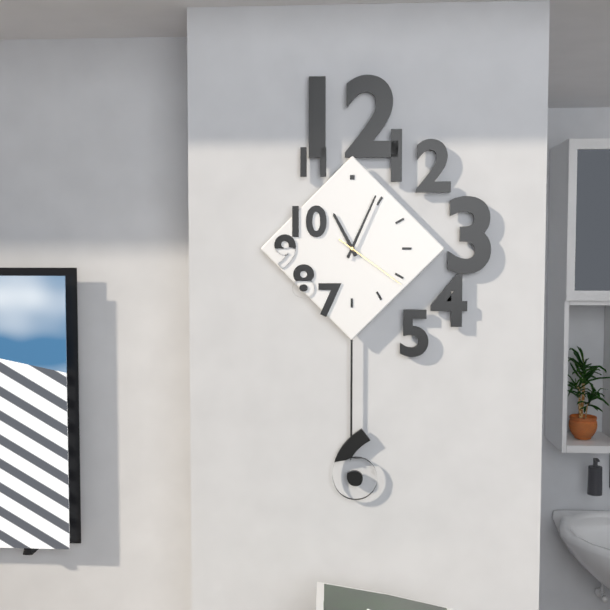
11.04.21
